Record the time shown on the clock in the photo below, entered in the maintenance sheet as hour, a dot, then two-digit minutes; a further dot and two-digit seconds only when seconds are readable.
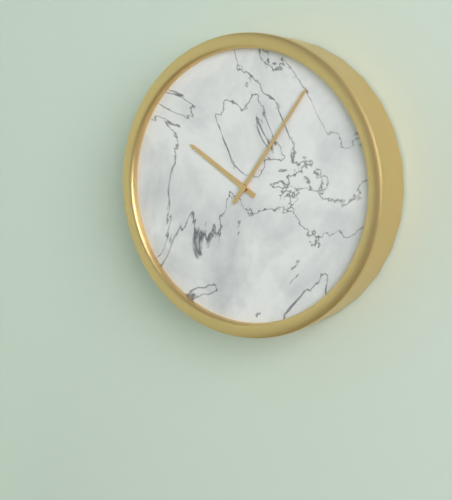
10.06
